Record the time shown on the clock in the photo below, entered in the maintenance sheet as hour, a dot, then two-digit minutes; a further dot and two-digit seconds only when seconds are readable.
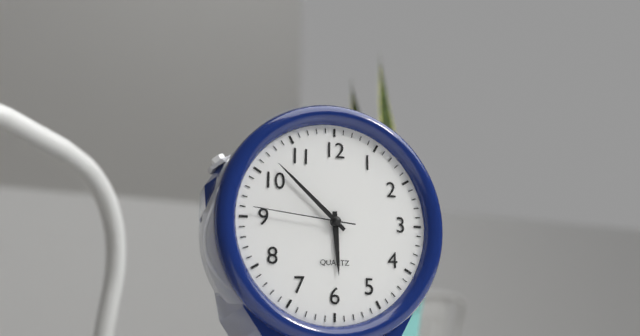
5.52.46
